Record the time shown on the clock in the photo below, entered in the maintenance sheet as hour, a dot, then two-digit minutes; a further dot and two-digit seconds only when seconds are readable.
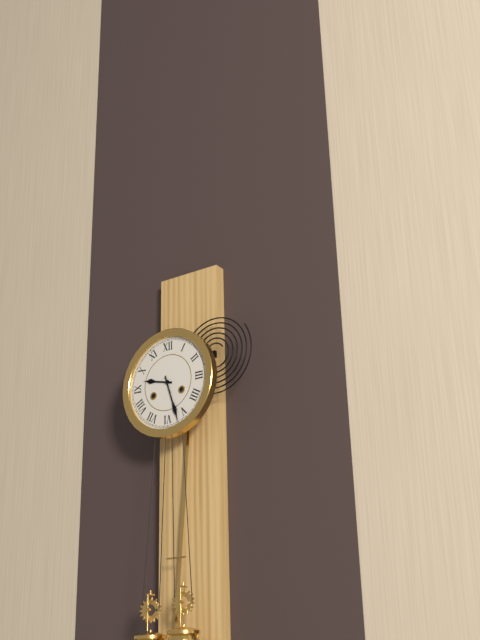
9.27
